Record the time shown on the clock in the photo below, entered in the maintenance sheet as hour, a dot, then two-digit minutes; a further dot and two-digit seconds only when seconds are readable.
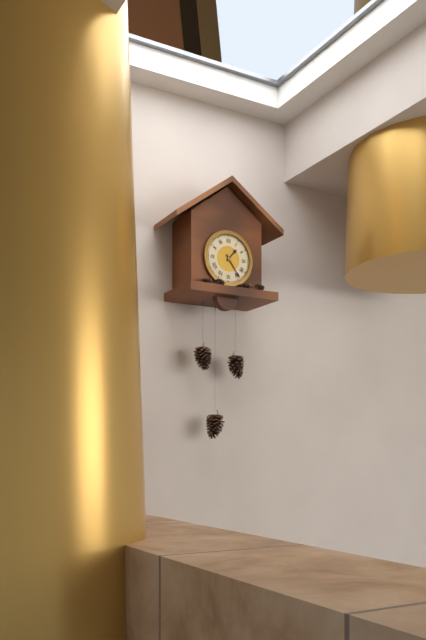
1.24
